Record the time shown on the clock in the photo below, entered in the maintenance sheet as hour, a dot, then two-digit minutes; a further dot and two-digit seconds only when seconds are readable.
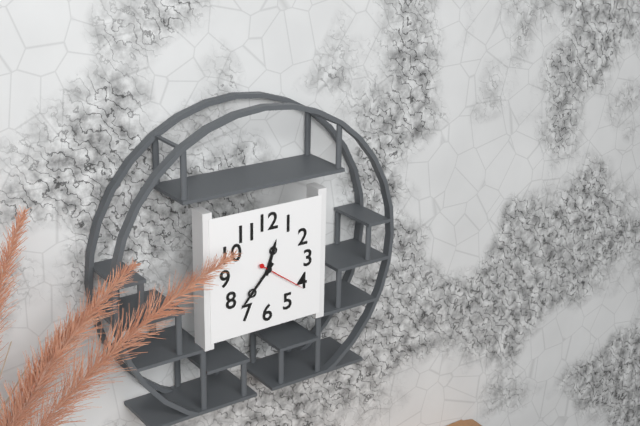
12.37
